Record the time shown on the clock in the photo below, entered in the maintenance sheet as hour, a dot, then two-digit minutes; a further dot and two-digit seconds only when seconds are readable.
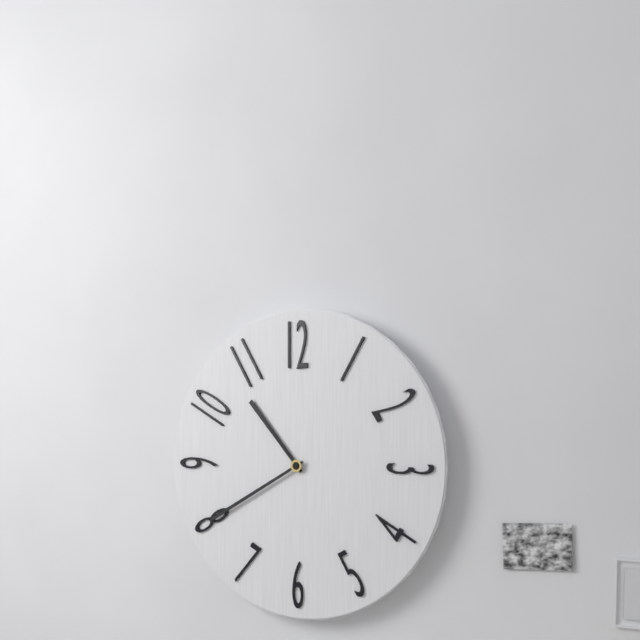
10.40
